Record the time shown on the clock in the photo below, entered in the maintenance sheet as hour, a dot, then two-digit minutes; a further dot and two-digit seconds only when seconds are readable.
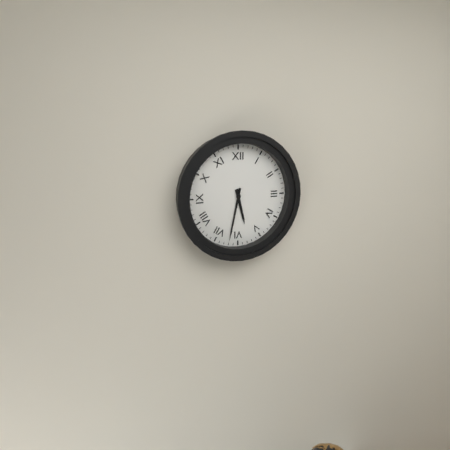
5.32
